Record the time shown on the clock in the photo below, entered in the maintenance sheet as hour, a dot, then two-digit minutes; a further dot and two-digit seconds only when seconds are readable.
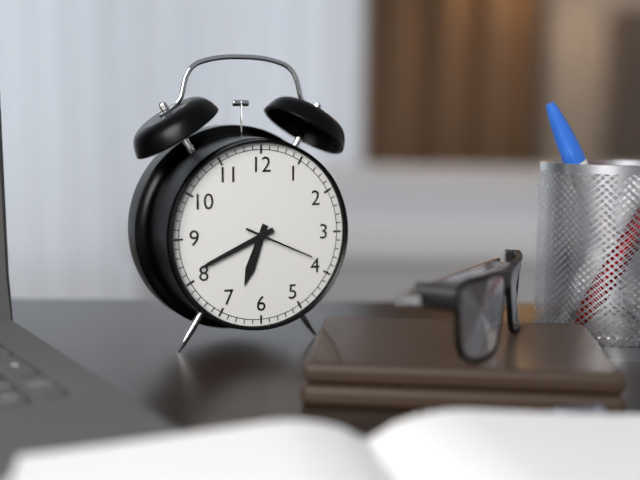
6.41.19
